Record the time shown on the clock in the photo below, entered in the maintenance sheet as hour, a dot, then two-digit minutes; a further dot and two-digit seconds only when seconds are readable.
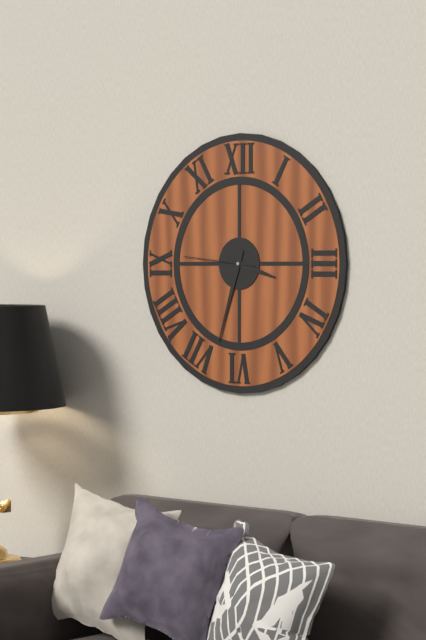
3.33.46
